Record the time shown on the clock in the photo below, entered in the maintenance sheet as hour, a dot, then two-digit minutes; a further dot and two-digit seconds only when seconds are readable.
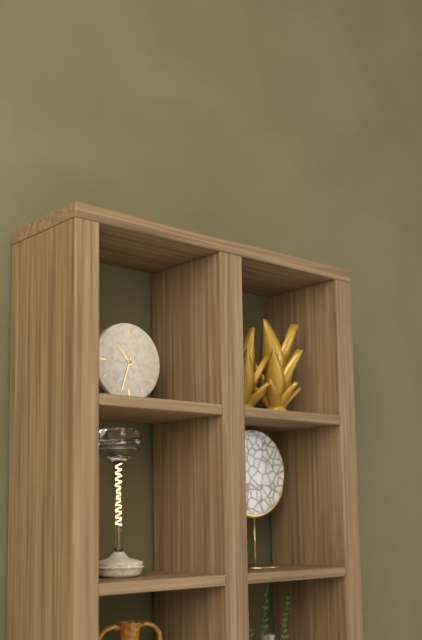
10.33
